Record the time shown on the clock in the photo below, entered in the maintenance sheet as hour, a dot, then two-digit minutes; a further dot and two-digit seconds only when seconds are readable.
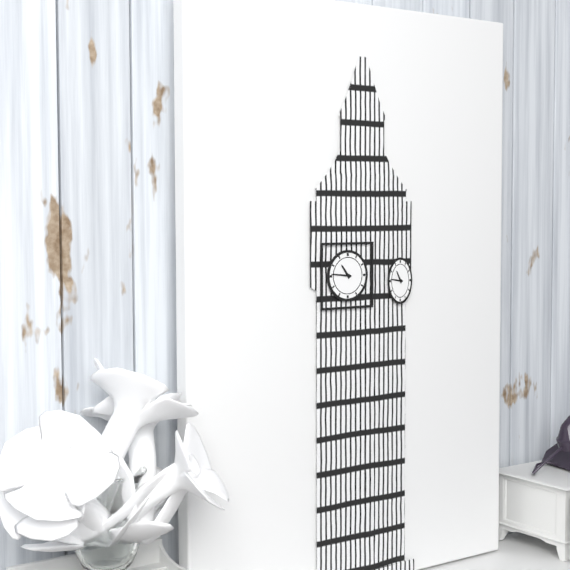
10.46
